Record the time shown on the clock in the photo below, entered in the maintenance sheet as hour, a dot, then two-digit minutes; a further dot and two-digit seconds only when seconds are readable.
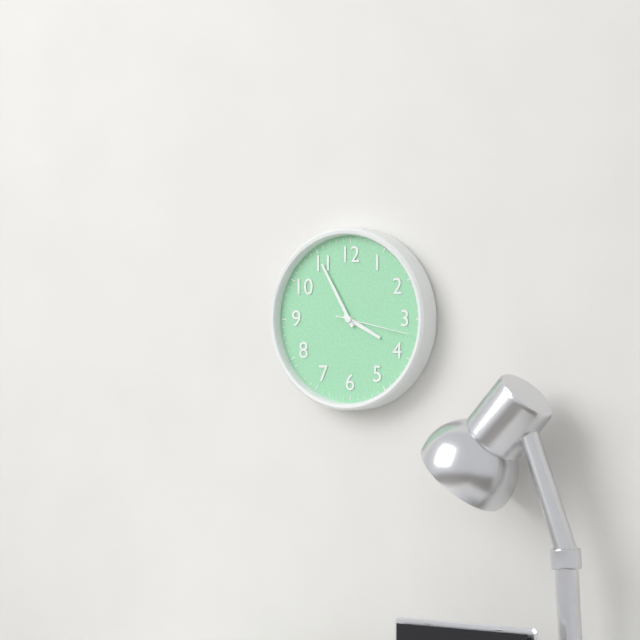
3.55.17
